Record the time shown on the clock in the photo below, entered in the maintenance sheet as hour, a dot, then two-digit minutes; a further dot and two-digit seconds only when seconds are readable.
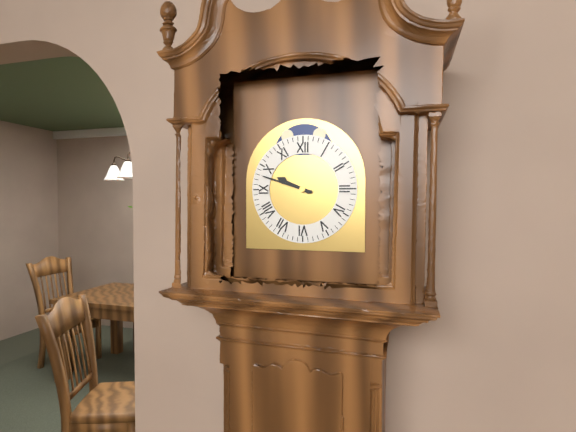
9.48
